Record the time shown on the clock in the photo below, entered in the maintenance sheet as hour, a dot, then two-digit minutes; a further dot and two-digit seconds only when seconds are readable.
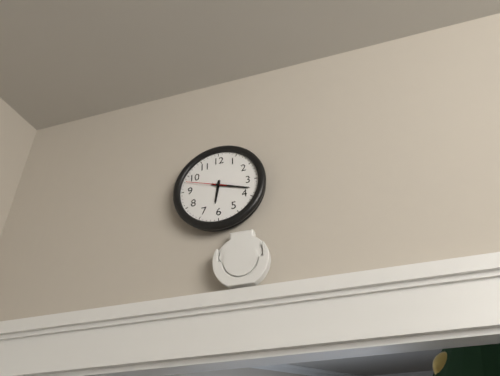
6.18
